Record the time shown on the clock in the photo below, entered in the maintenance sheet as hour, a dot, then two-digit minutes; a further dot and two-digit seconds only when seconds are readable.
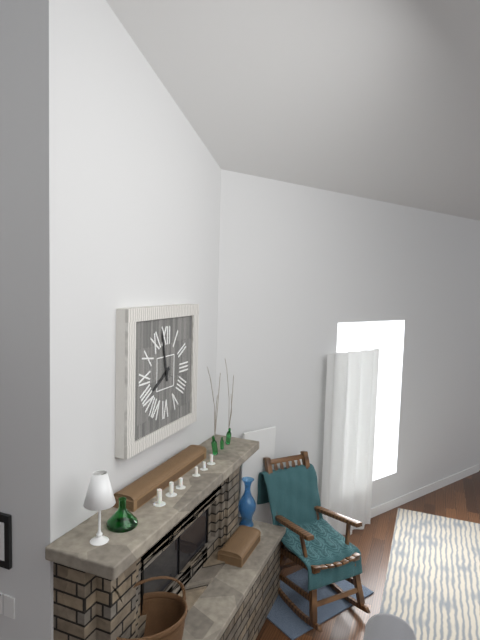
7.58
